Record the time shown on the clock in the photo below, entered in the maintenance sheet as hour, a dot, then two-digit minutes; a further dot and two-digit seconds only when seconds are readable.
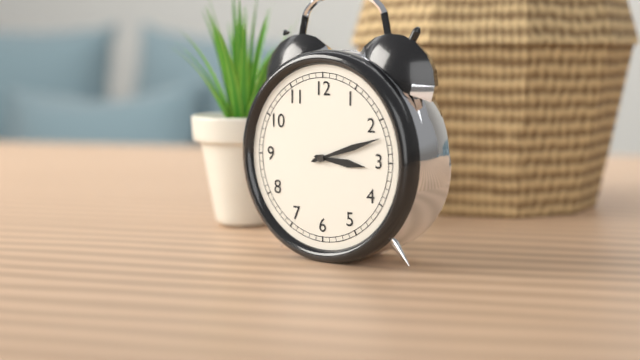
3.12
